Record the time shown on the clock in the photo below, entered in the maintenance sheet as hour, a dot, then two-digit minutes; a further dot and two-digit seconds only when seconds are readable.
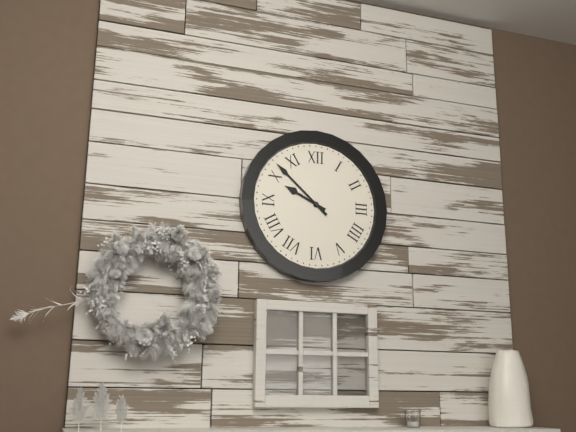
9.52
